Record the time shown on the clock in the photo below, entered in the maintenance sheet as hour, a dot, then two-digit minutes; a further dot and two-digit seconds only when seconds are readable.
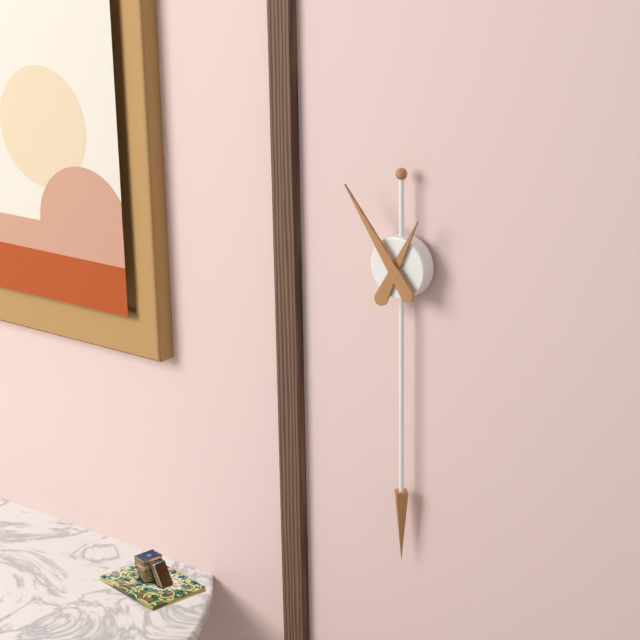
12.54
